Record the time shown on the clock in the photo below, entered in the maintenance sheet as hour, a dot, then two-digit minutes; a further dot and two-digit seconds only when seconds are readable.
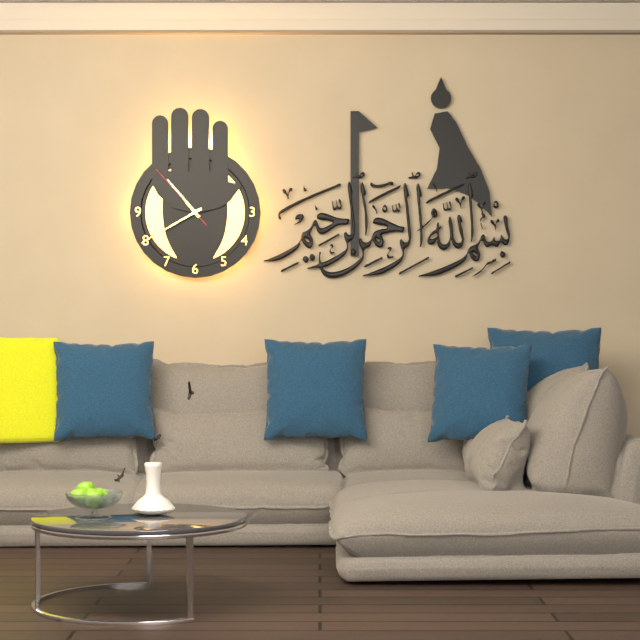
10.40.53
